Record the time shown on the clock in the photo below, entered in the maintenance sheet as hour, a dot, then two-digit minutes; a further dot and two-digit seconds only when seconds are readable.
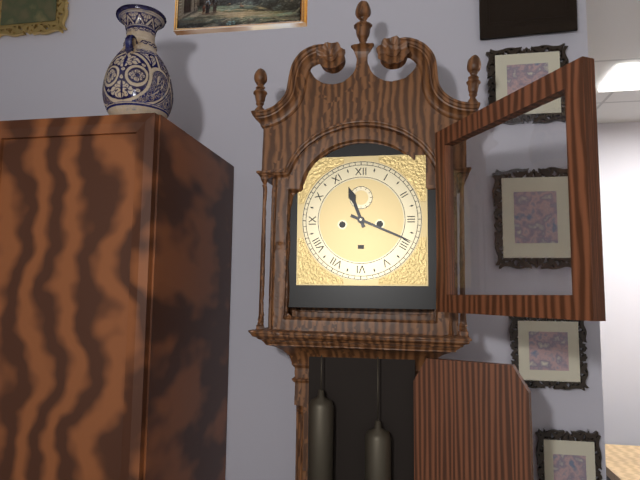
11.19
